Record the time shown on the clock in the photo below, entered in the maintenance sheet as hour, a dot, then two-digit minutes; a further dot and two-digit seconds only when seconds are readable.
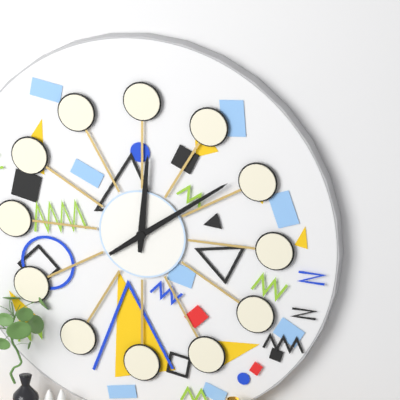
12.09
